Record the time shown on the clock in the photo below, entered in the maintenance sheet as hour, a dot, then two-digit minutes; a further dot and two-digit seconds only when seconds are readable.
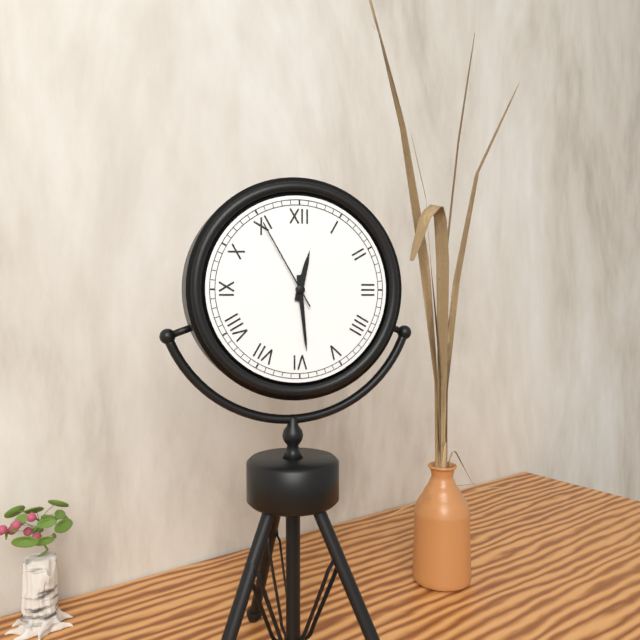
12.29.55
